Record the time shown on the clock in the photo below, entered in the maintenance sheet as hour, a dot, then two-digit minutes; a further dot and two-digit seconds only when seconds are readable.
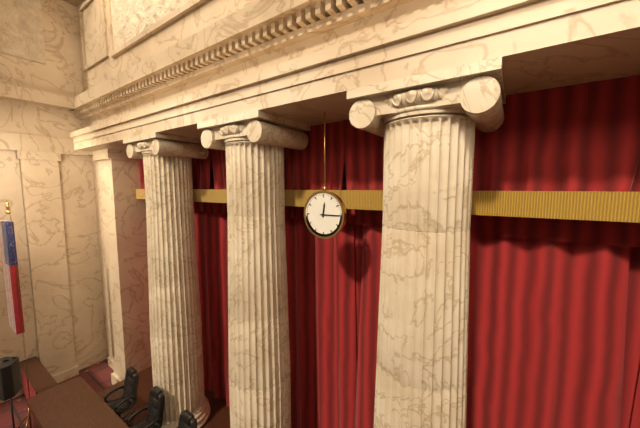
12.15
